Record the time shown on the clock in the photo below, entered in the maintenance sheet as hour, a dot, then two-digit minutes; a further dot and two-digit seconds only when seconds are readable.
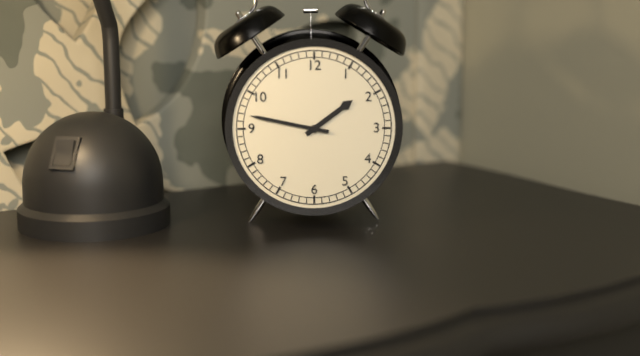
1.47
